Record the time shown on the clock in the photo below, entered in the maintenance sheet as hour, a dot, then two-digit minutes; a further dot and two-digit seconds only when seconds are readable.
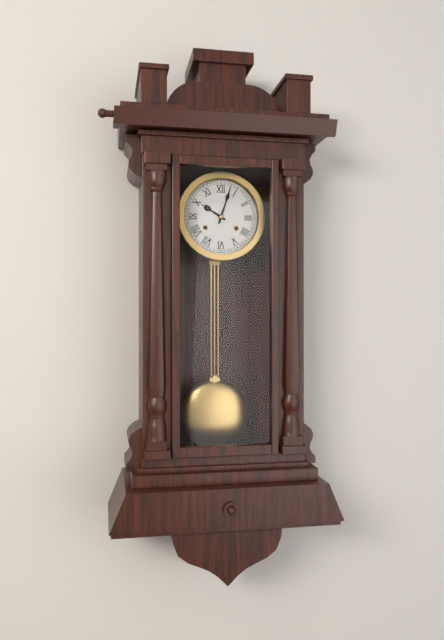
10.03
